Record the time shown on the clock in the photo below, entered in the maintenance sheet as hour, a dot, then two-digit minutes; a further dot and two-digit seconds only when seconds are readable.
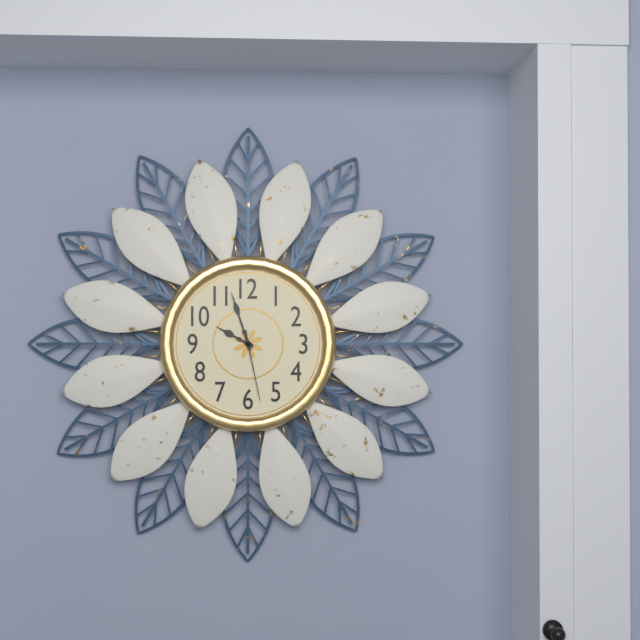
9.57.28
